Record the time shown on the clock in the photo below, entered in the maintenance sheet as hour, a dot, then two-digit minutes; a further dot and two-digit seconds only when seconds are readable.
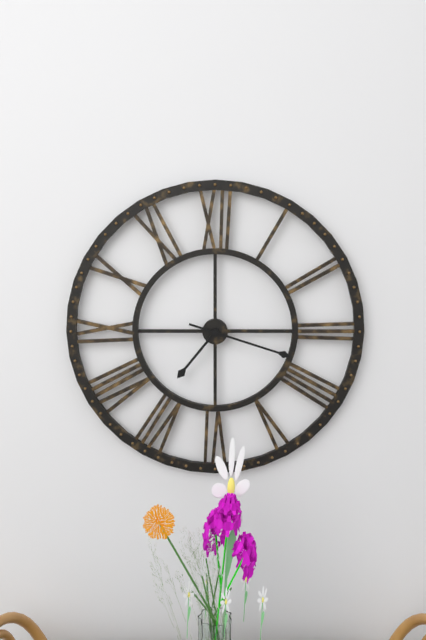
7.18
